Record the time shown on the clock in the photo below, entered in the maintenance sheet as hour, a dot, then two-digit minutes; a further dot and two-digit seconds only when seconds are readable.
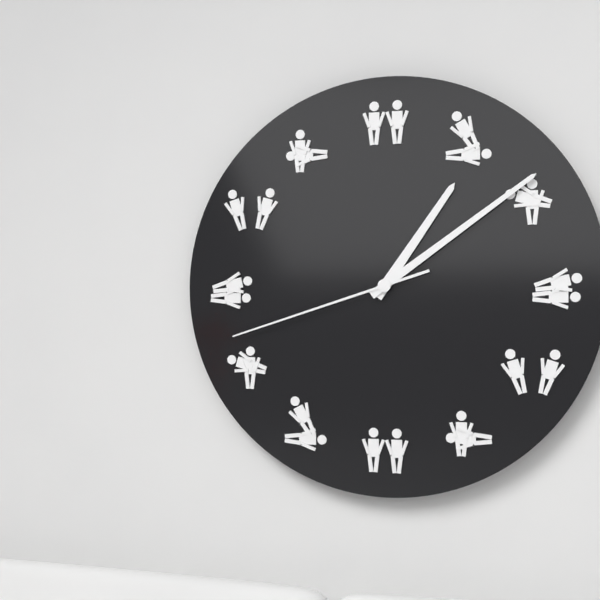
1.09.42
